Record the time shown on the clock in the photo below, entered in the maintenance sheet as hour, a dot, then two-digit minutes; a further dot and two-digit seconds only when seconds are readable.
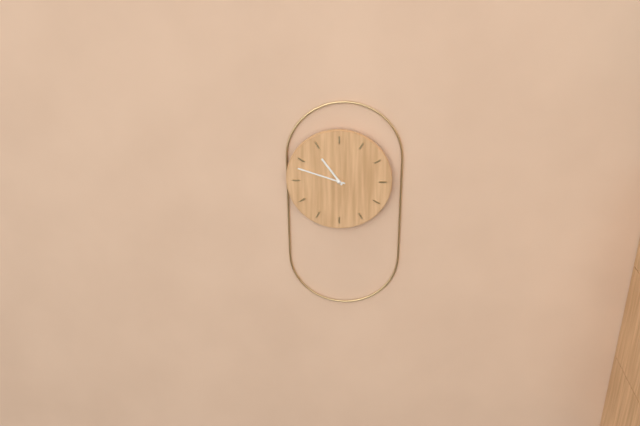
10.48
